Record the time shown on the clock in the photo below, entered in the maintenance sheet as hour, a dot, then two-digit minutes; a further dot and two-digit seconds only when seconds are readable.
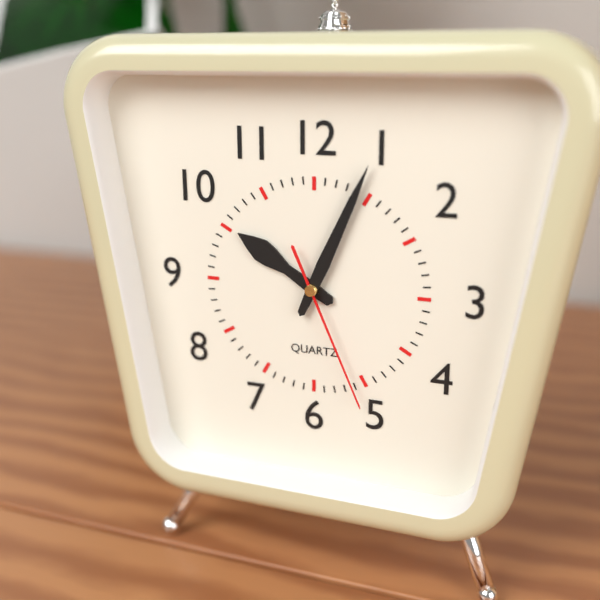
10.04.26
